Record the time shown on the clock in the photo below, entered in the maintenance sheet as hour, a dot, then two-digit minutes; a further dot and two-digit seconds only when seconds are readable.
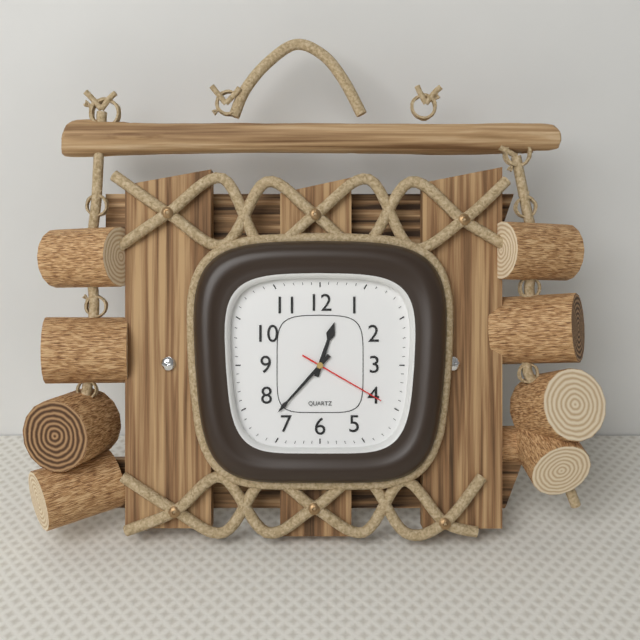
12.37.20
